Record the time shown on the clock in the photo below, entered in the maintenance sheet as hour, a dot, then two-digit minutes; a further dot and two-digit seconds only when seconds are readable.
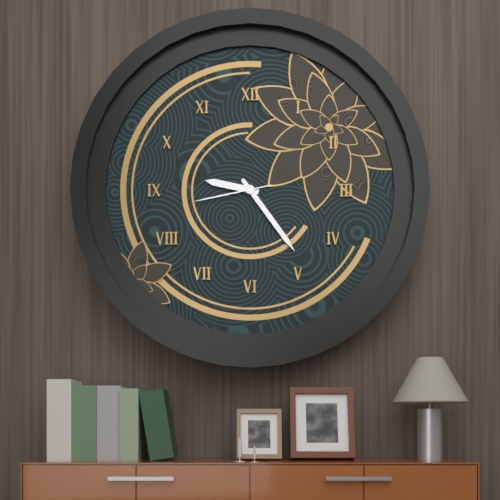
9.24.43
